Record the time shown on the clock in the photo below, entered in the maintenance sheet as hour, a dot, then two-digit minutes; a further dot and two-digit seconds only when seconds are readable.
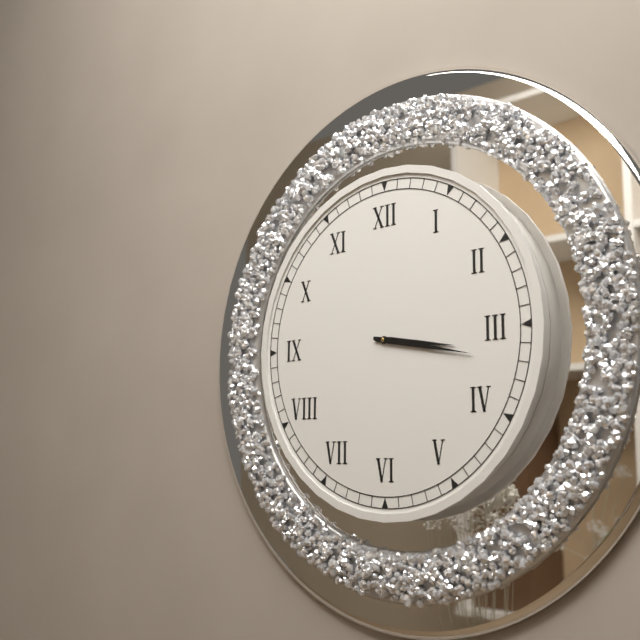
3.17
